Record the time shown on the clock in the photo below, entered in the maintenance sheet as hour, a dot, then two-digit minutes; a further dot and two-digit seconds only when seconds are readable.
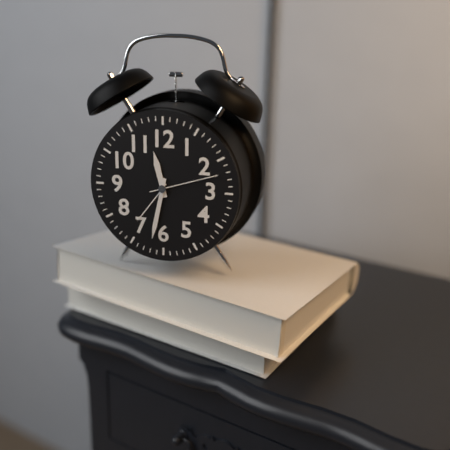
11.32.12
